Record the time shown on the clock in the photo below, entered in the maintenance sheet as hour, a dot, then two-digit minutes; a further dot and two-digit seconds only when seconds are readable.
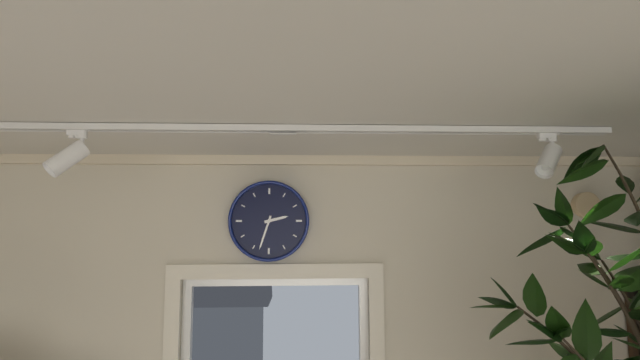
2.33
